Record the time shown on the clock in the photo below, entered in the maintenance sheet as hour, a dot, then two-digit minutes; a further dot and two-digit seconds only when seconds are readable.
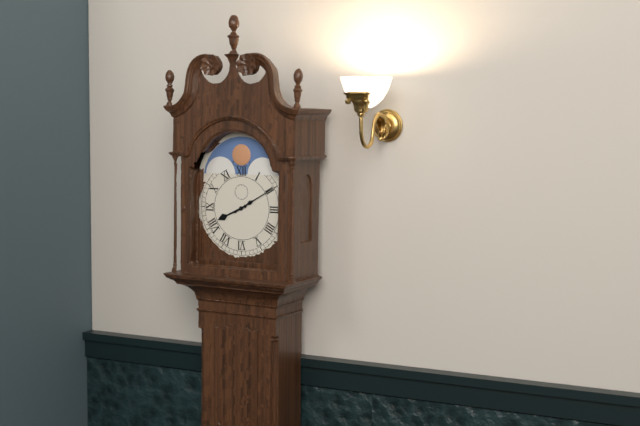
8.10
